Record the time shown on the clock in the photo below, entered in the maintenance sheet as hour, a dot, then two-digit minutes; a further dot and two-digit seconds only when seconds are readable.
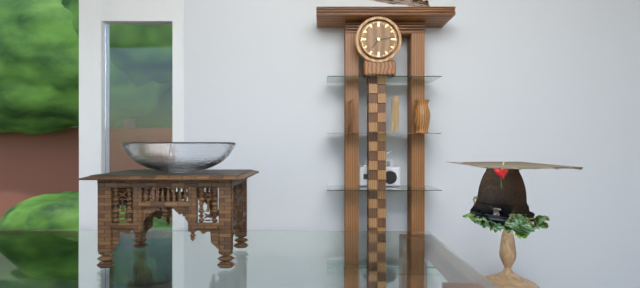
7.14
